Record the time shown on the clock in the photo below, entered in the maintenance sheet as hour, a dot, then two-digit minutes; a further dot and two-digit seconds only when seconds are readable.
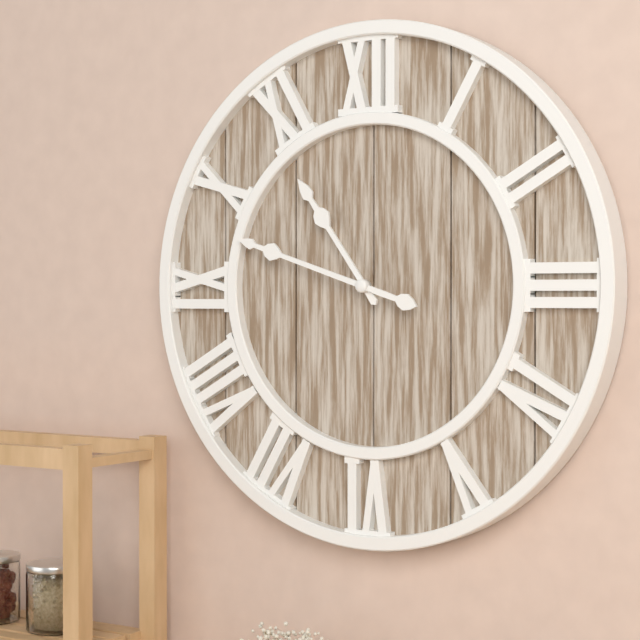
10.48
